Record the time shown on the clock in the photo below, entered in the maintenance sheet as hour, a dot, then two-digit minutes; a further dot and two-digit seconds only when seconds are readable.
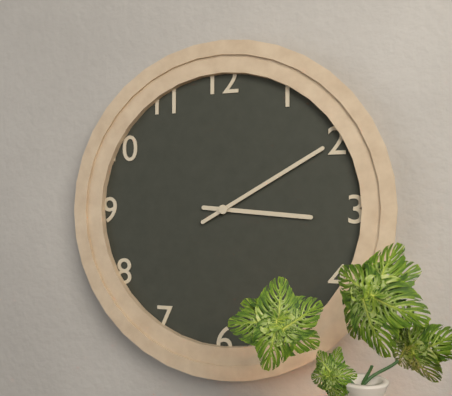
3.10
